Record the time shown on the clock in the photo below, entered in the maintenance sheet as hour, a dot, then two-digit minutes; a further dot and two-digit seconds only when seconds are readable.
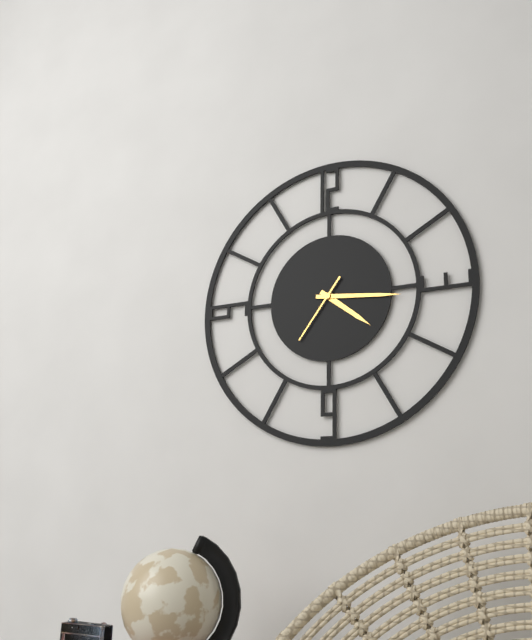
4.16.36
